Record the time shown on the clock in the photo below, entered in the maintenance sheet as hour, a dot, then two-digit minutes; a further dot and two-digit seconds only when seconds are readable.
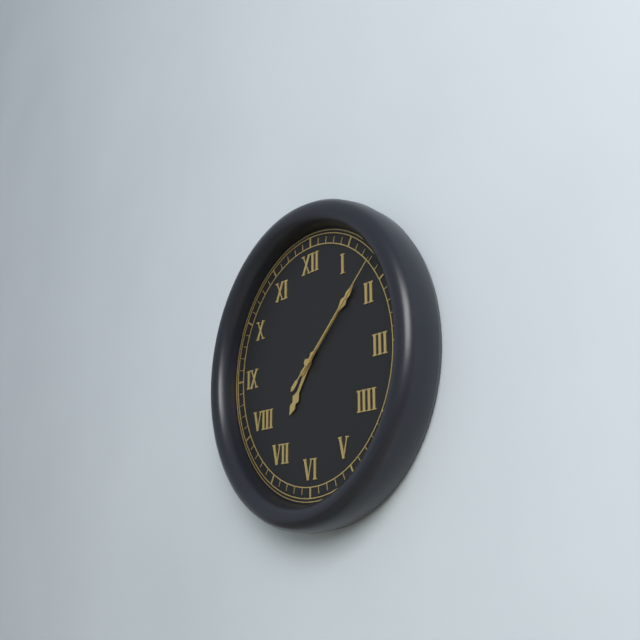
7.08.08
